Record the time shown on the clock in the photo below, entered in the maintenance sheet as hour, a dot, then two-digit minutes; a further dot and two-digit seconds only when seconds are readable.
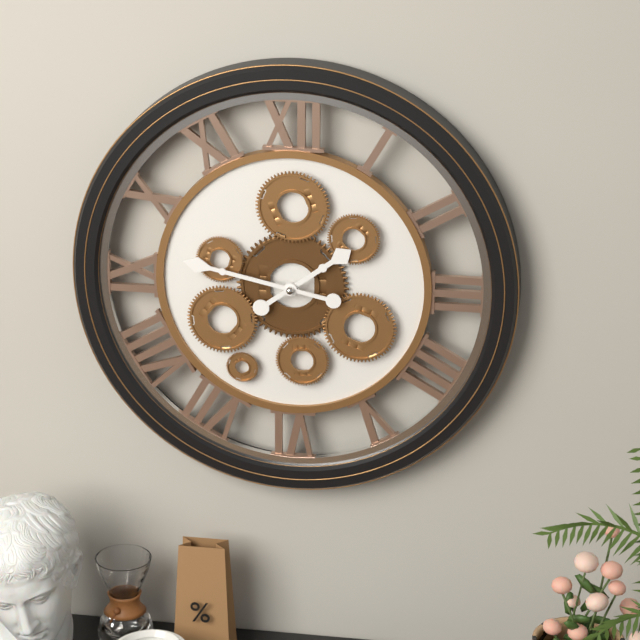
1.47
